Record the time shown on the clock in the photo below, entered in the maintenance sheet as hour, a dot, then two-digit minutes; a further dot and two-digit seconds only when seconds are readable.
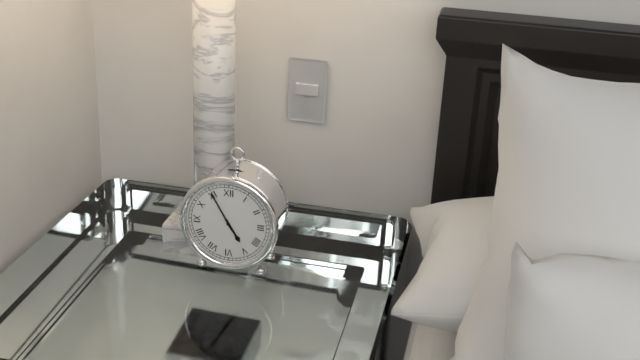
4.55
